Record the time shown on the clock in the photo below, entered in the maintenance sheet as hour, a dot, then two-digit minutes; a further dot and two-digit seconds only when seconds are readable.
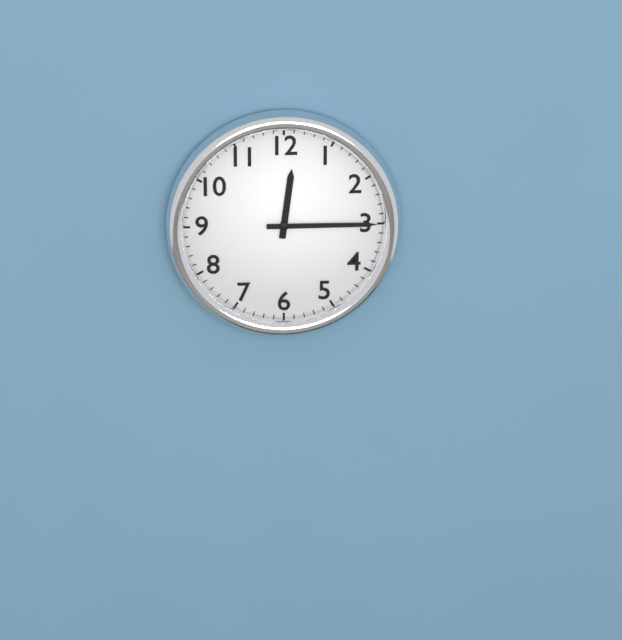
12.15
